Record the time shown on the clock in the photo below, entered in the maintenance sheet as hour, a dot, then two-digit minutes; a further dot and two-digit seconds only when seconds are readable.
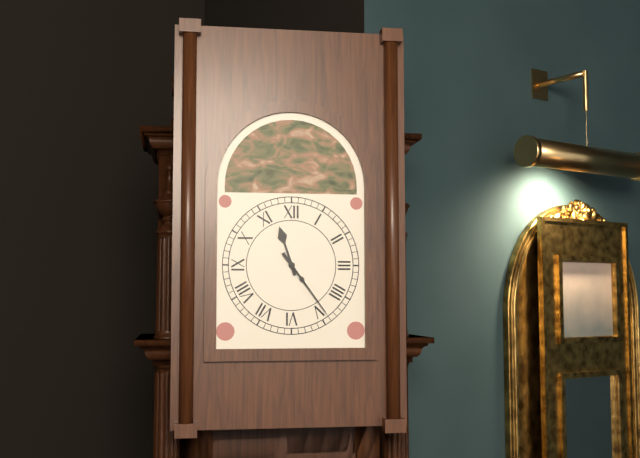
11.24
